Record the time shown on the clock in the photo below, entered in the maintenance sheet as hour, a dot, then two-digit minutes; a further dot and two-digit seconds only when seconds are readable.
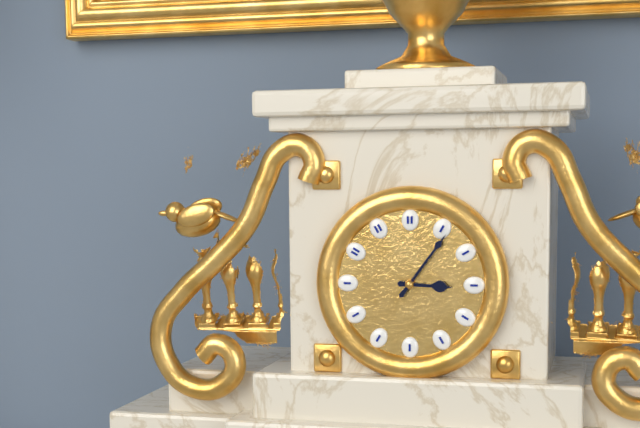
3.06
